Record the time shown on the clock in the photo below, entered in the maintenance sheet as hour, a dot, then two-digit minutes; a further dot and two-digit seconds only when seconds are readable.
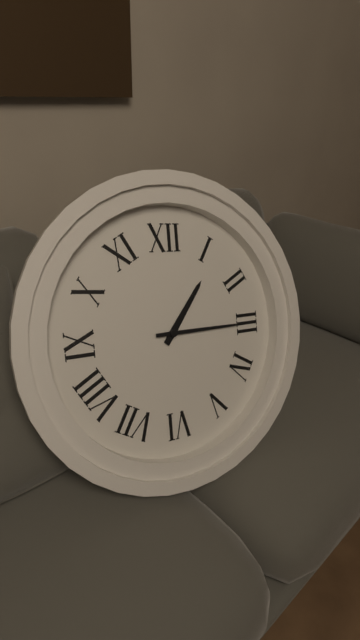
1.15
